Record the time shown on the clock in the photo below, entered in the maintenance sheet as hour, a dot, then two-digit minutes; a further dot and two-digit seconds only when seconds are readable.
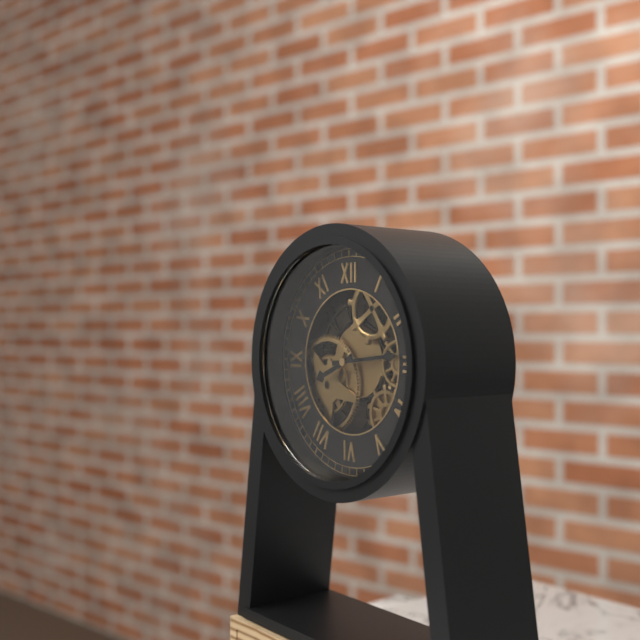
8.14
